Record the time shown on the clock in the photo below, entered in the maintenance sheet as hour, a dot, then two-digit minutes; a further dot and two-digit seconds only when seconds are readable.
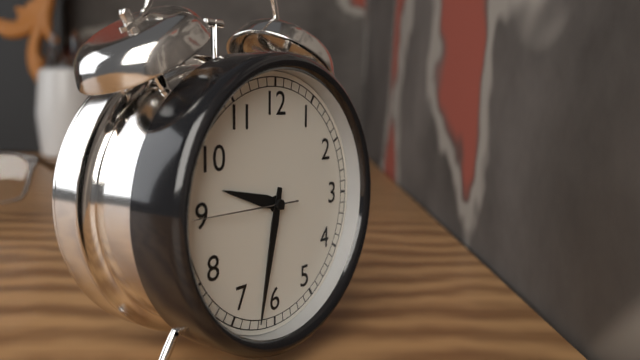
9.32.45
